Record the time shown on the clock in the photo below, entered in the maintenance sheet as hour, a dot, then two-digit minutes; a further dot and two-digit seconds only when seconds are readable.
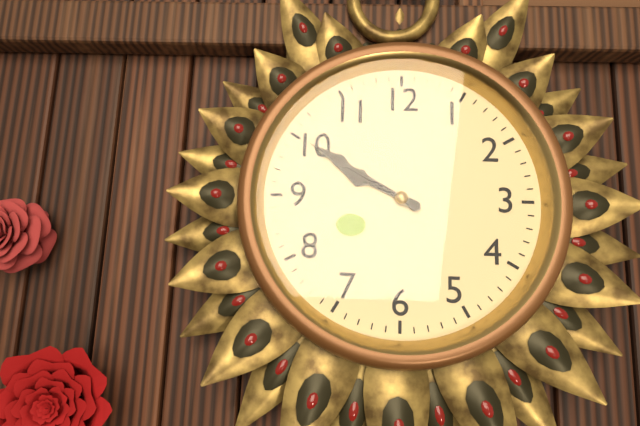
9.50
